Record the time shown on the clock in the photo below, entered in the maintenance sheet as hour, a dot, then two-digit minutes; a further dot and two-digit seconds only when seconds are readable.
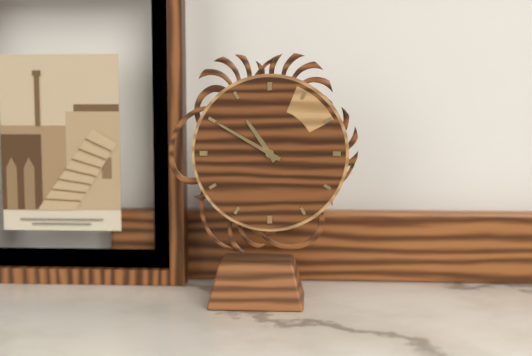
10.50
